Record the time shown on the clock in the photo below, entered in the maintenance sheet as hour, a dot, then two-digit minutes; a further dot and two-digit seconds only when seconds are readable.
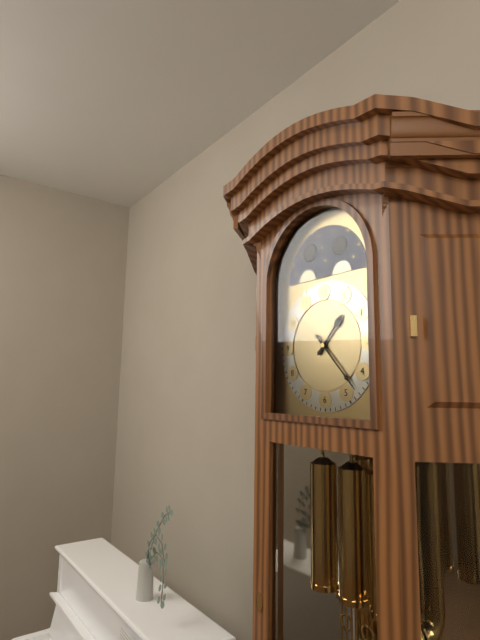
1.23
